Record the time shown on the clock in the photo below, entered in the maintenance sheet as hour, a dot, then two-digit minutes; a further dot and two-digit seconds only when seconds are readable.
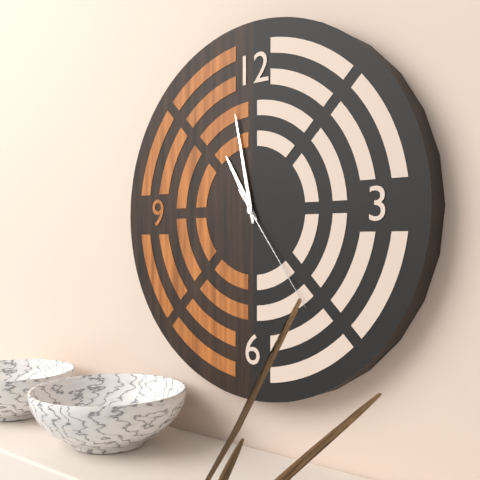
10.58.24
